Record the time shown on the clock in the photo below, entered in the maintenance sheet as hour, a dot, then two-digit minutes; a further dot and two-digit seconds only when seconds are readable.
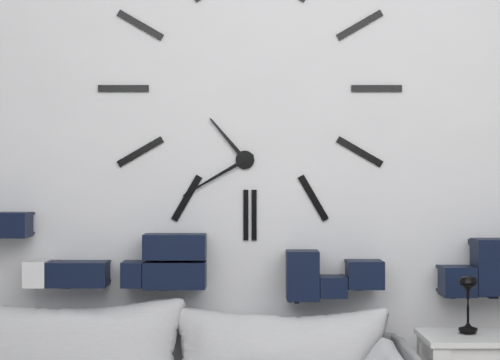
10.40
